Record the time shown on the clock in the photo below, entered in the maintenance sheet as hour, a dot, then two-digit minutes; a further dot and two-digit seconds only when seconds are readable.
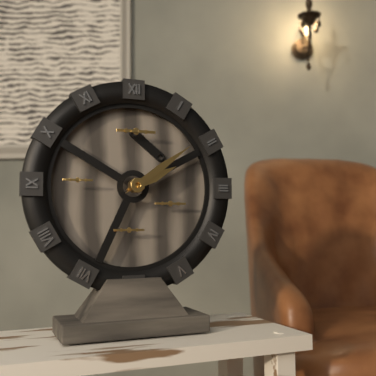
2.09
